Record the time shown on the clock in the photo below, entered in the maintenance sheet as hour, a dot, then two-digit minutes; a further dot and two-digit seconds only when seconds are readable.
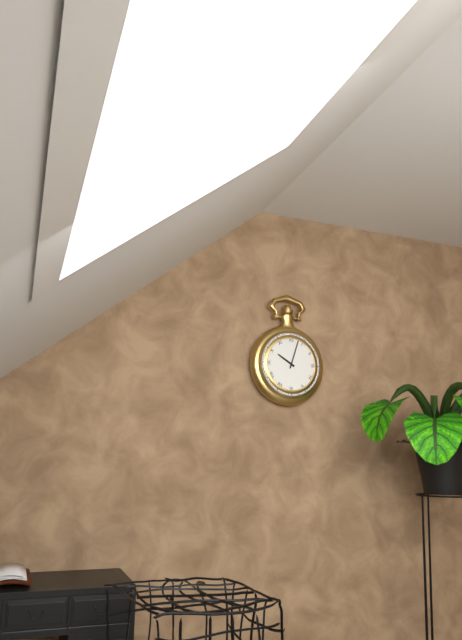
10.03
